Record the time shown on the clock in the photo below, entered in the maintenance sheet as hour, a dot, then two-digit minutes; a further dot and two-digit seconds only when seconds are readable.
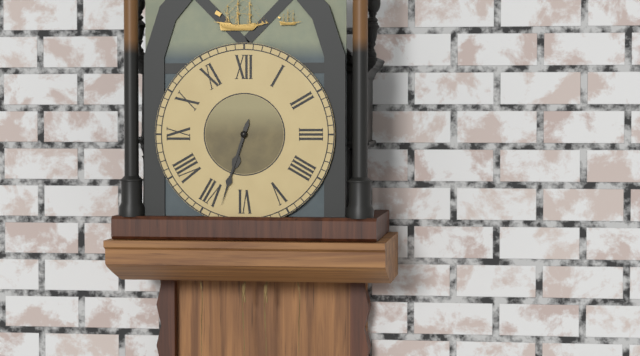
6.33
